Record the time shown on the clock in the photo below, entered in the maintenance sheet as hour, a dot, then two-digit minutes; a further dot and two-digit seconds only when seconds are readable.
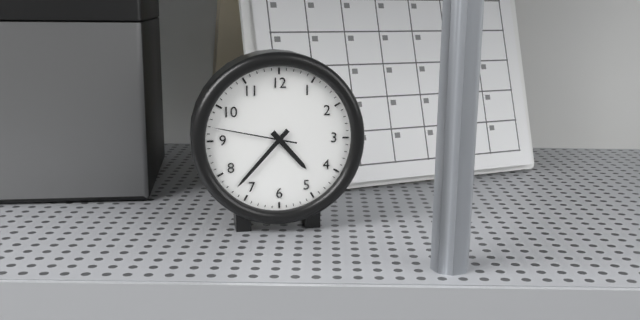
4.37.47
